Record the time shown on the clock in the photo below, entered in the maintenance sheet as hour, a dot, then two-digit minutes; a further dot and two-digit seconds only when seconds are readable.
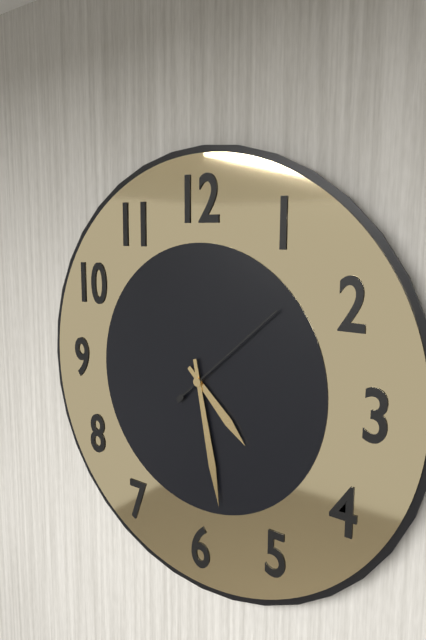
4.28.08
